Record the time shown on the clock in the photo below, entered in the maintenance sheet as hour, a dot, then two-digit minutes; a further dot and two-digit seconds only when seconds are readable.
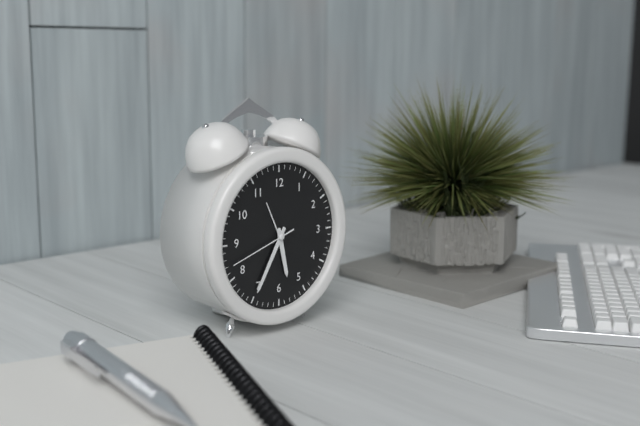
5.35.42
